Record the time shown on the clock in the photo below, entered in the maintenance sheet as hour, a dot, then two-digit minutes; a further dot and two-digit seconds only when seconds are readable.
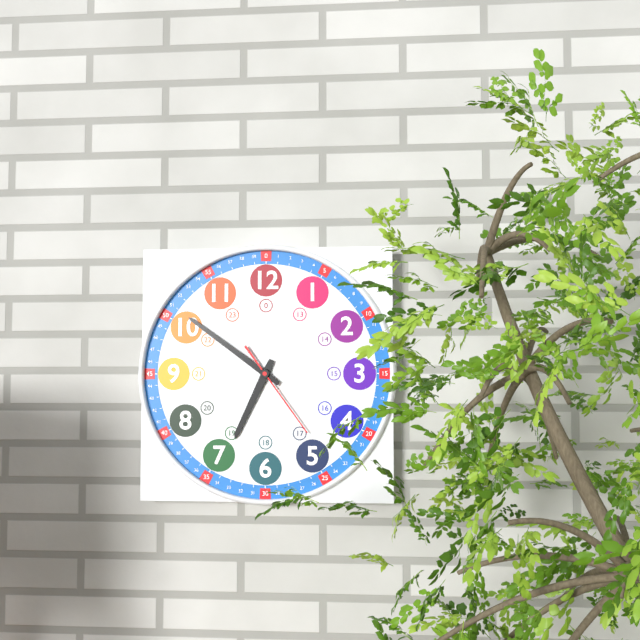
6.51.24
